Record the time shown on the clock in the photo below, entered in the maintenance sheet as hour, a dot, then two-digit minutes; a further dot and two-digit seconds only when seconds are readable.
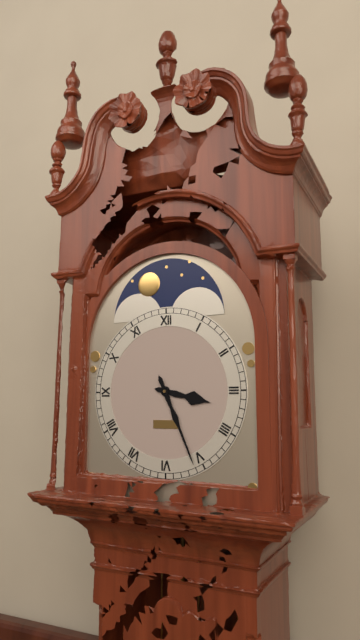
3.26
